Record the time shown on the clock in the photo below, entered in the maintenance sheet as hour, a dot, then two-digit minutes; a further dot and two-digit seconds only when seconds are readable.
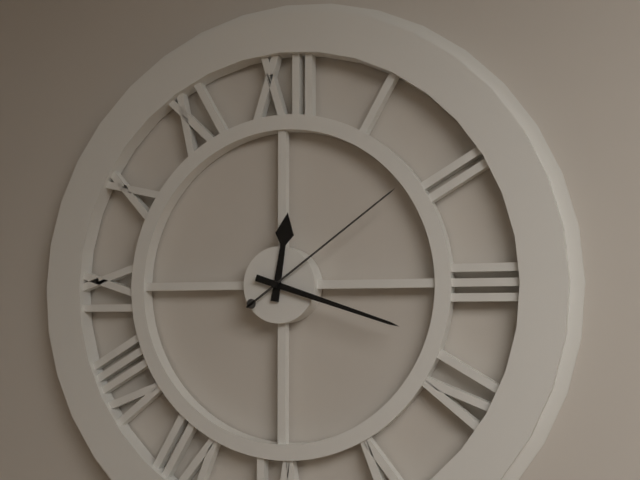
12.18.09
